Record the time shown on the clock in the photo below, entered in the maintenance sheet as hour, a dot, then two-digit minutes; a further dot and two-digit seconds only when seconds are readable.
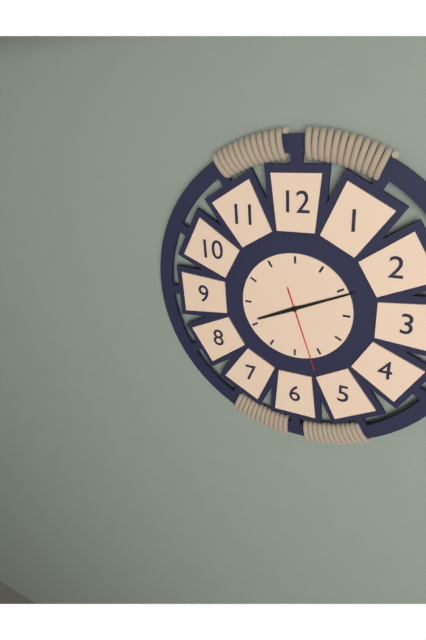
8.11.27
